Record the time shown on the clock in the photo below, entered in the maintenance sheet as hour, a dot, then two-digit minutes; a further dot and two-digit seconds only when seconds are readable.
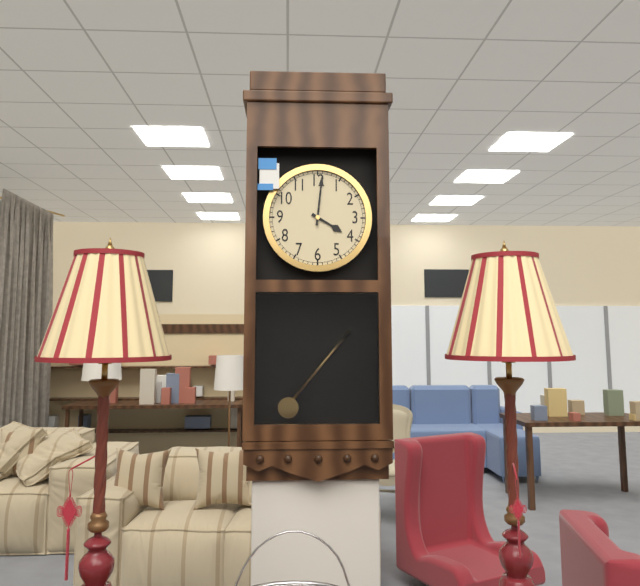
4.01
